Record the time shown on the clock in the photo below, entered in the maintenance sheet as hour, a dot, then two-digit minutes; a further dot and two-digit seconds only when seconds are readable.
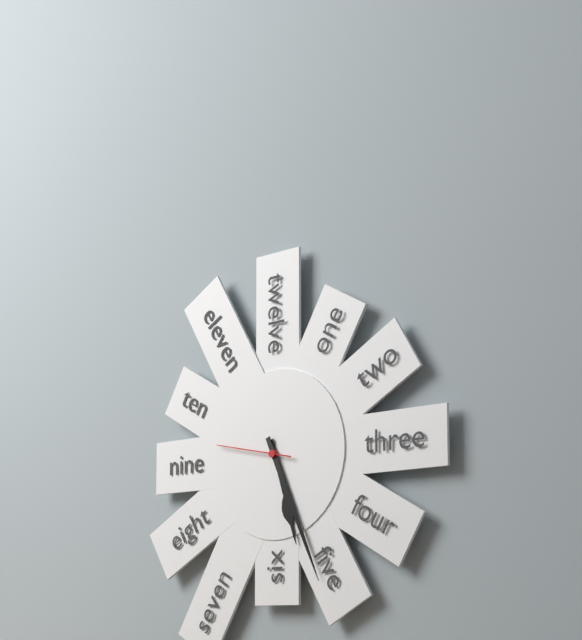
5.26.47
